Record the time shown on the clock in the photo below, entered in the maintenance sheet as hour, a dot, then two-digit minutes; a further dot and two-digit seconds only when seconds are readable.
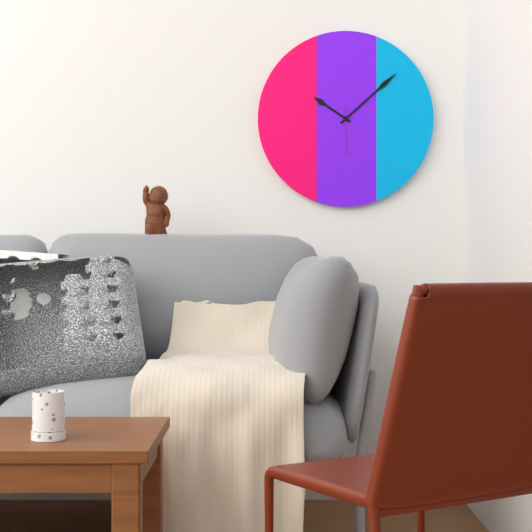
10.08
